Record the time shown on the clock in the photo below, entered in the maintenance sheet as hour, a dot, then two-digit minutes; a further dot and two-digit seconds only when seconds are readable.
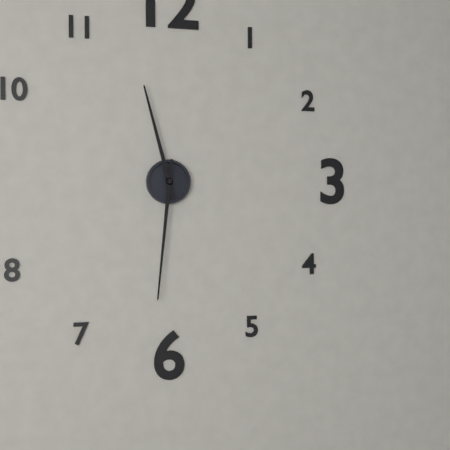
11.31
